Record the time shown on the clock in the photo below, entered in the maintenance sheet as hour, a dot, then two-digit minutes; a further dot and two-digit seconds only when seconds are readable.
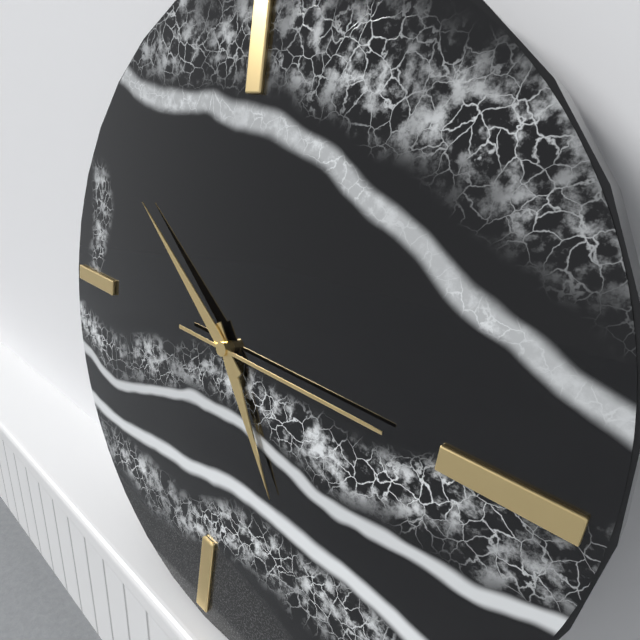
4.51.15
